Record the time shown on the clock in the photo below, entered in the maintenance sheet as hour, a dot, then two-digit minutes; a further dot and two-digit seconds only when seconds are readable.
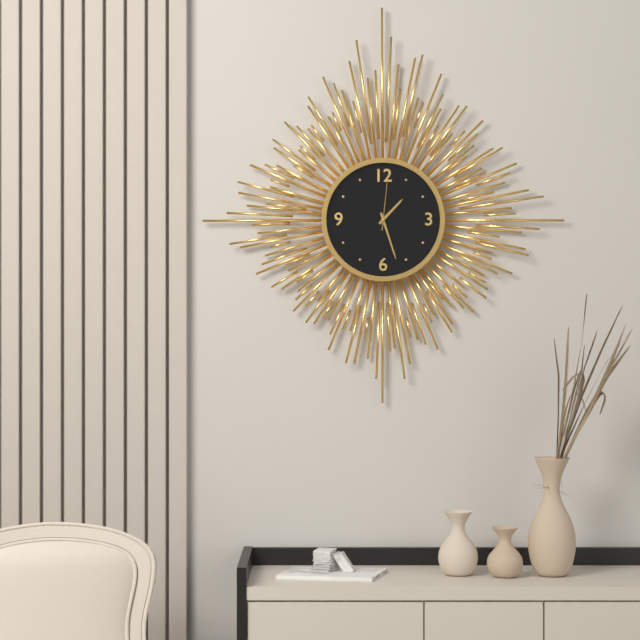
1.27.01
